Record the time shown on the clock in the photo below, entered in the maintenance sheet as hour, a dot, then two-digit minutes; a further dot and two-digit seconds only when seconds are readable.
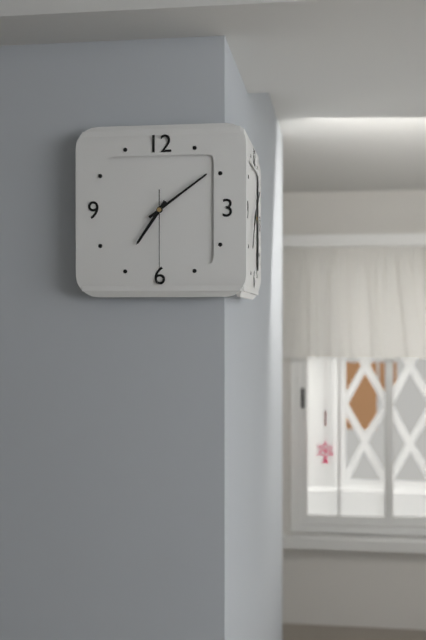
7.09.30
